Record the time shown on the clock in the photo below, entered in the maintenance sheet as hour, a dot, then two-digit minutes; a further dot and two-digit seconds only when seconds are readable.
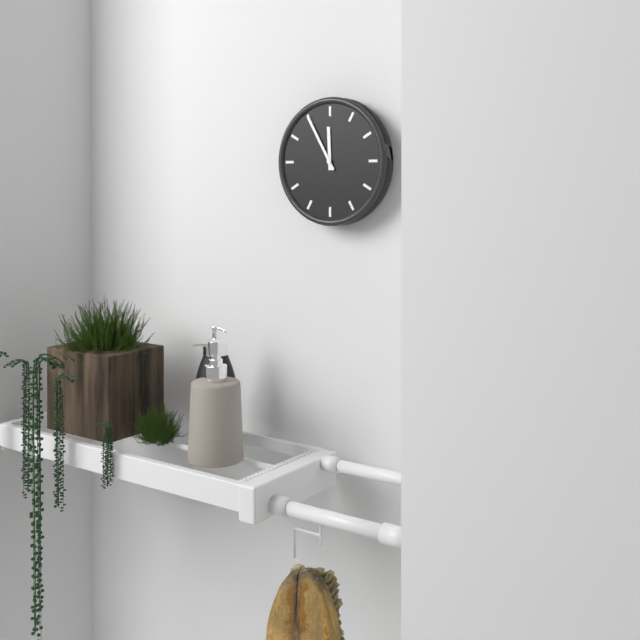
11.55
